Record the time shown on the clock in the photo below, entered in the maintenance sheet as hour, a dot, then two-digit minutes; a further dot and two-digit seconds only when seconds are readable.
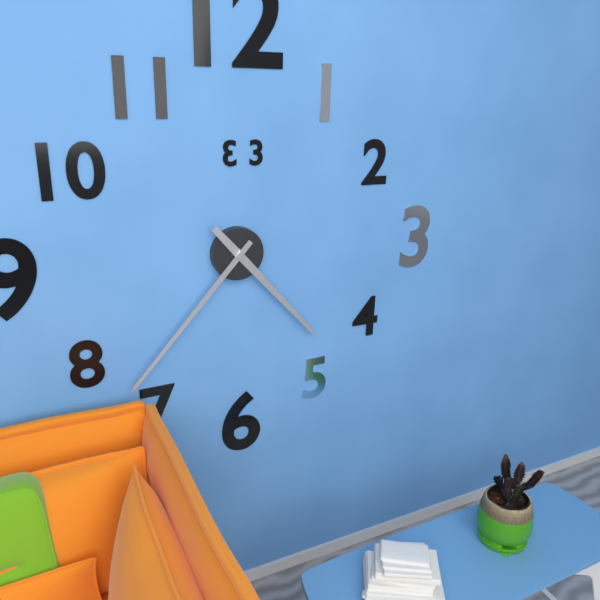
4.37
